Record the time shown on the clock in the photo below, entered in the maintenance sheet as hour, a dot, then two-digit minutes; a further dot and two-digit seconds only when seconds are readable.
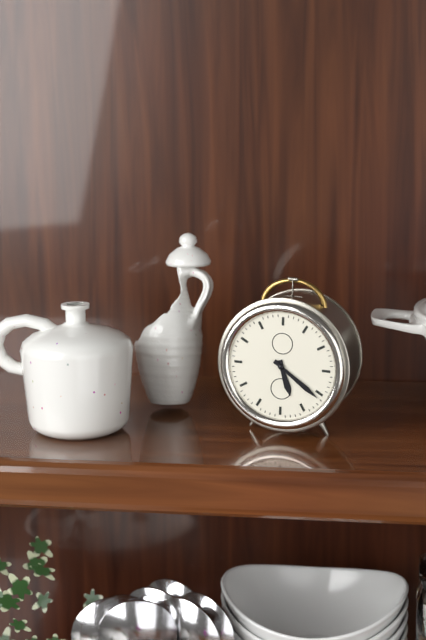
5.21
